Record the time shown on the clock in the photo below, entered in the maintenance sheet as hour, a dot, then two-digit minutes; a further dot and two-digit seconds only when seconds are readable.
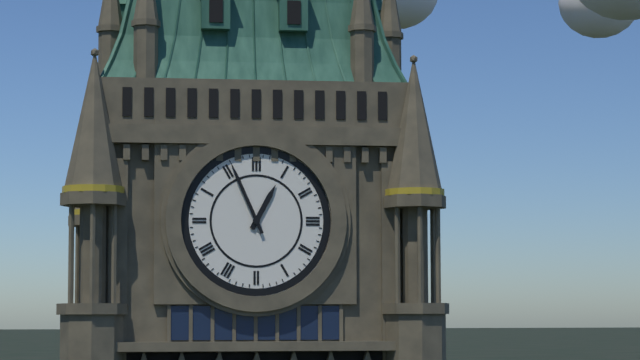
12.56
